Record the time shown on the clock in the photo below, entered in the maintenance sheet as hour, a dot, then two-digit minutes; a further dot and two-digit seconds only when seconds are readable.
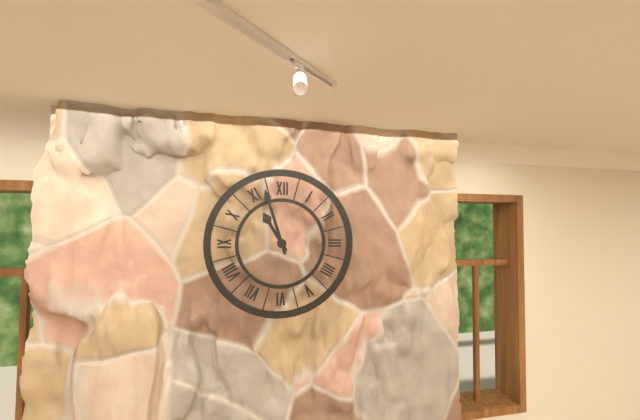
10.57
